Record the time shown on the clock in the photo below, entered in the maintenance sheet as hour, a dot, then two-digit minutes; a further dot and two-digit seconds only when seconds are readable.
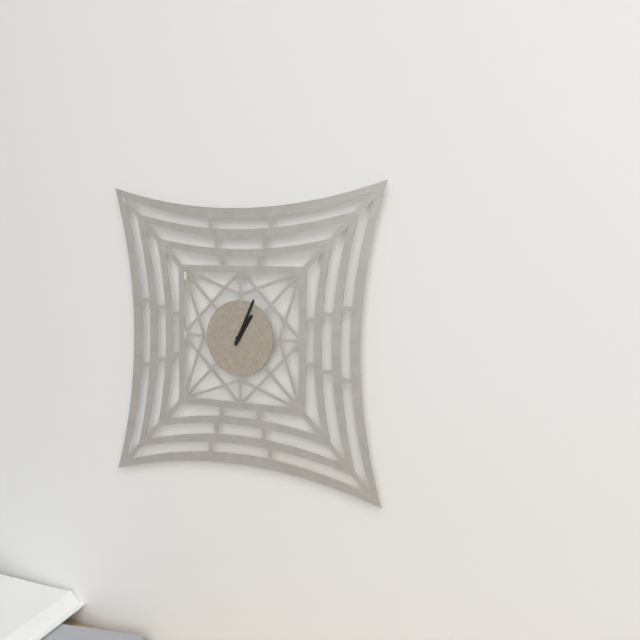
1.04
